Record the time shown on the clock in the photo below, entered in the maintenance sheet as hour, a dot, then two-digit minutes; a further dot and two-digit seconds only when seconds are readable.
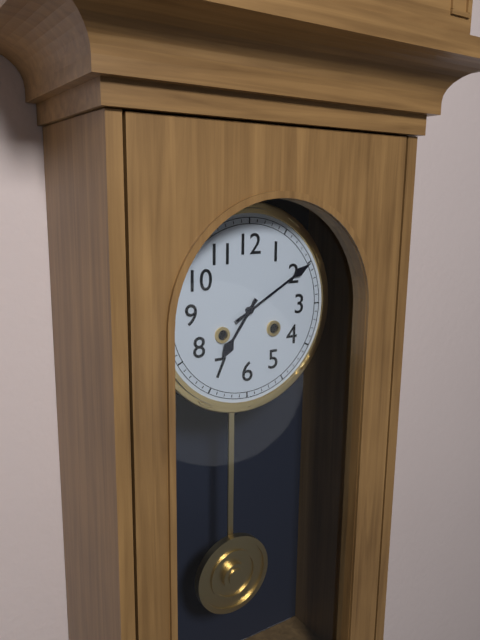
7.10
